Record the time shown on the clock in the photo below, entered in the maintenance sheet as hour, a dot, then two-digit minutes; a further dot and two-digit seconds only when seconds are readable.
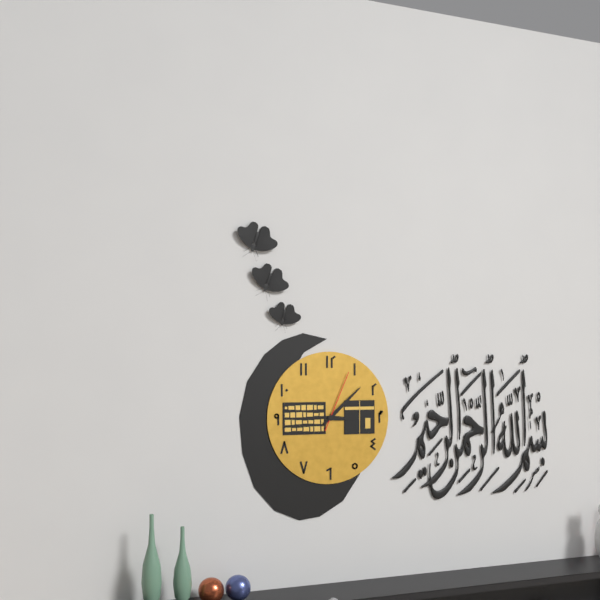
3.08.04
